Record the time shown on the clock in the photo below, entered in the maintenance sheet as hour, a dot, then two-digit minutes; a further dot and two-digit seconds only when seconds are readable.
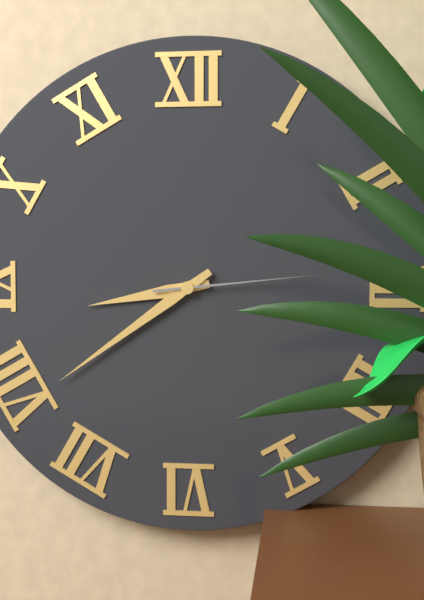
8.39.14
